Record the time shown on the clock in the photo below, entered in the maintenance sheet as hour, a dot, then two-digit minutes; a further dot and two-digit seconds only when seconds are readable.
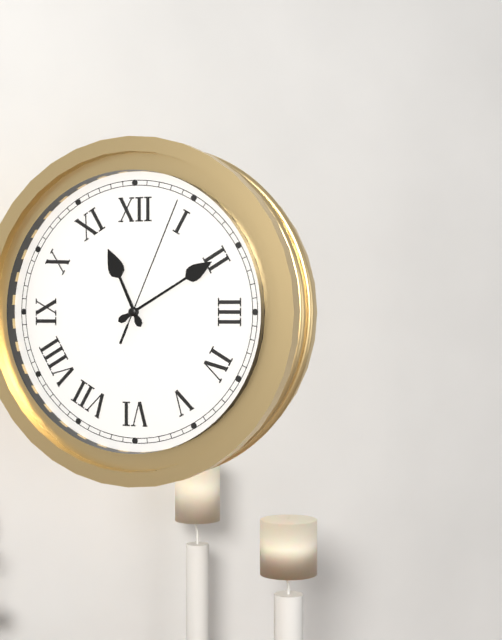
11.10.04
